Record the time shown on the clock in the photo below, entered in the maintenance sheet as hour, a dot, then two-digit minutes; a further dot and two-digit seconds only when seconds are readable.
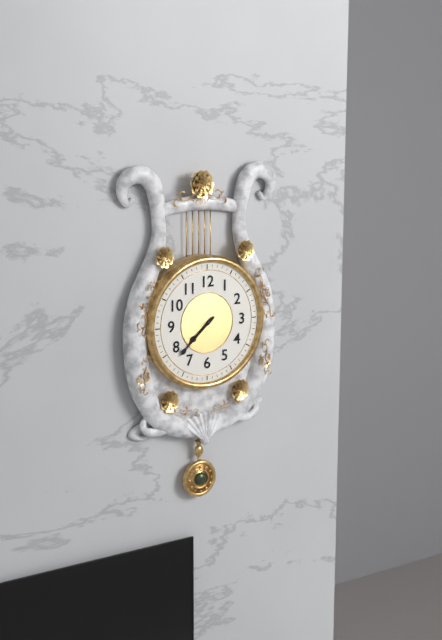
7.38
